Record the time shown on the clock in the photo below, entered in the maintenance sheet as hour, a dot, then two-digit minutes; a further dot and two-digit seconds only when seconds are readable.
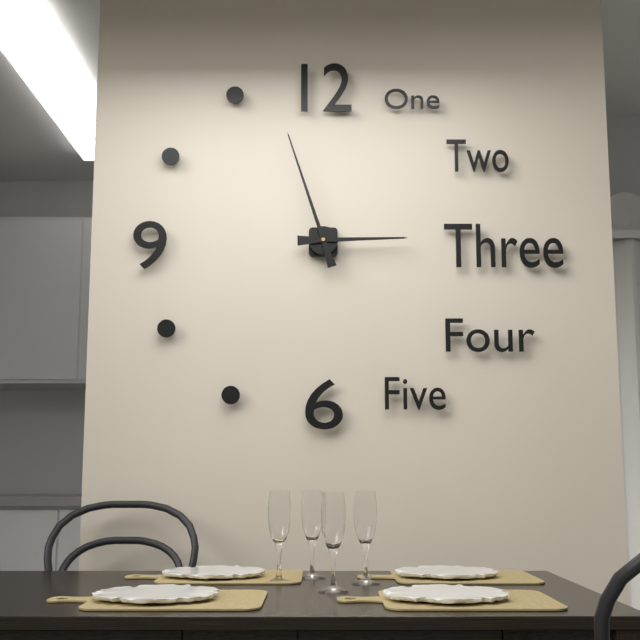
2.57
